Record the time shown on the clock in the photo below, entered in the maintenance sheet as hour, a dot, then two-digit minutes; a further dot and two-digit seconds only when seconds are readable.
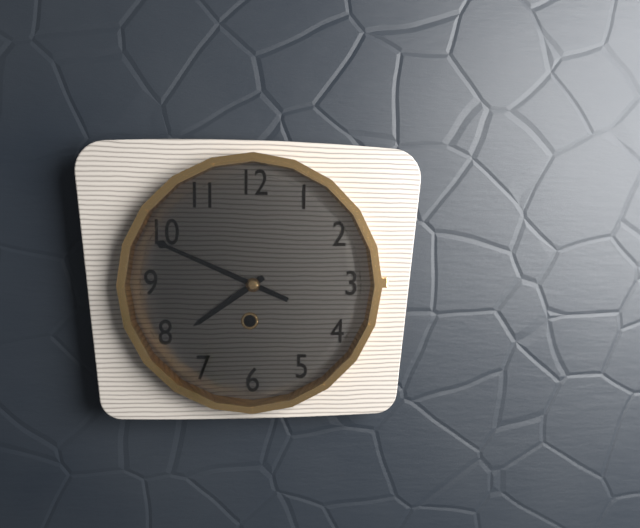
7.49
